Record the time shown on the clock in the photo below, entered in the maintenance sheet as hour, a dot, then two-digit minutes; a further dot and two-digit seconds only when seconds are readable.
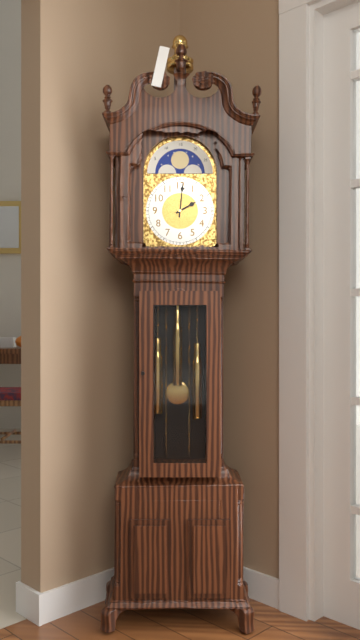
2.01
